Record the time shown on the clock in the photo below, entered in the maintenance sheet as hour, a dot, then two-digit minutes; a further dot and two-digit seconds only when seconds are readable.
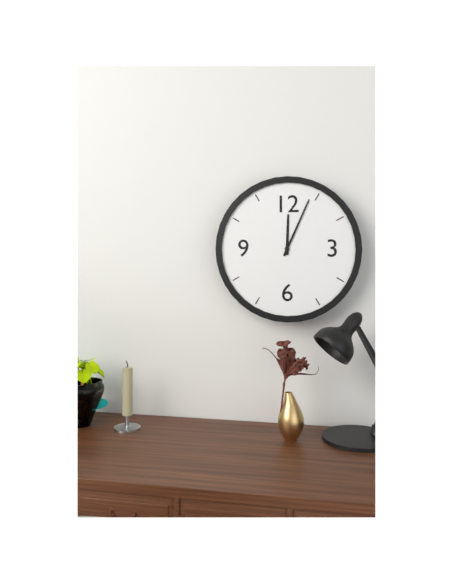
12.04
